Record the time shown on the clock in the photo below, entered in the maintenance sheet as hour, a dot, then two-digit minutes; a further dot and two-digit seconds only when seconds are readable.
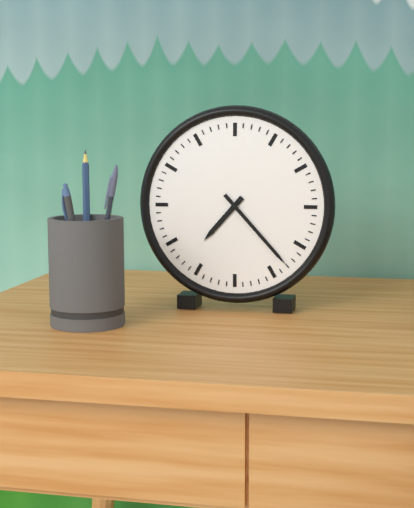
7.23
